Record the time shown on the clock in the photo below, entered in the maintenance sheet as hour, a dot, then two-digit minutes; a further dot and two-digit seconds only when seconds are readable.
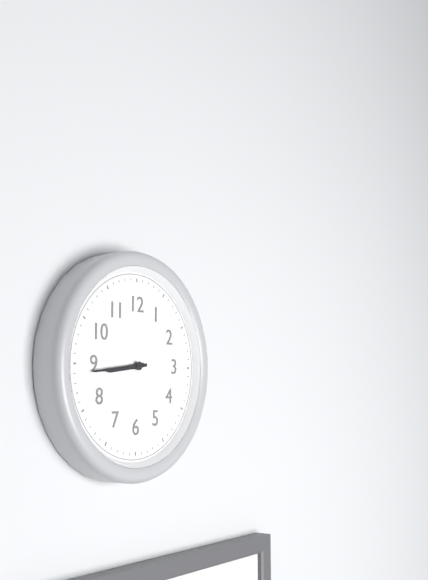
8.44
